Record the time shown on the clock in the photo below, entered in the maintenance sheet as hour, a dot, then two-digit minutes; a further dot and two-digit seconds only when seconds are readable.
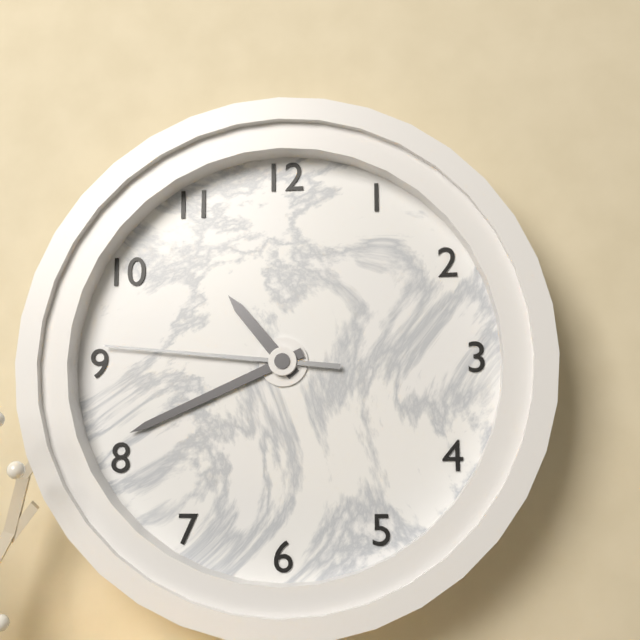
10.41.46
